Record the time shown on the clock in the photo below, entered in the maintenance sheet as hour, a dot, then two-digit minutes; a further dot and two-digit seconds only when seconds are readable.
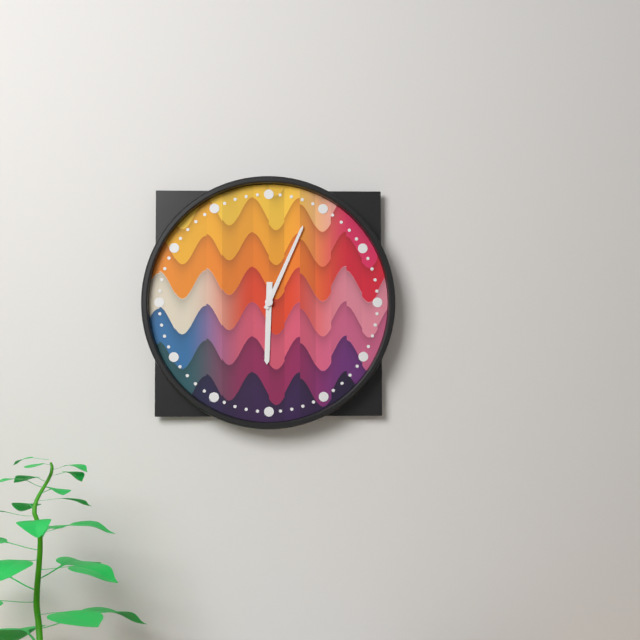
6.04
